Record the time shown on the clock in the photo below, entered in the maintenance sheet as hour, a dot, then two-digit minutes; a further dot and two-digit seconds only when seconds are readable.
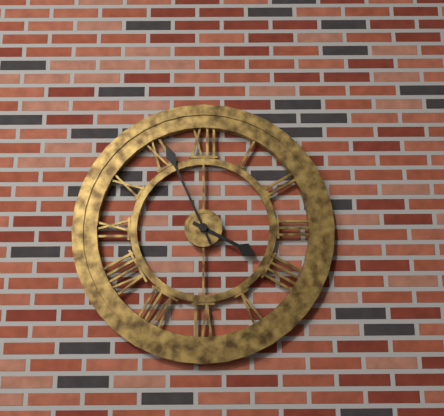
3.56
